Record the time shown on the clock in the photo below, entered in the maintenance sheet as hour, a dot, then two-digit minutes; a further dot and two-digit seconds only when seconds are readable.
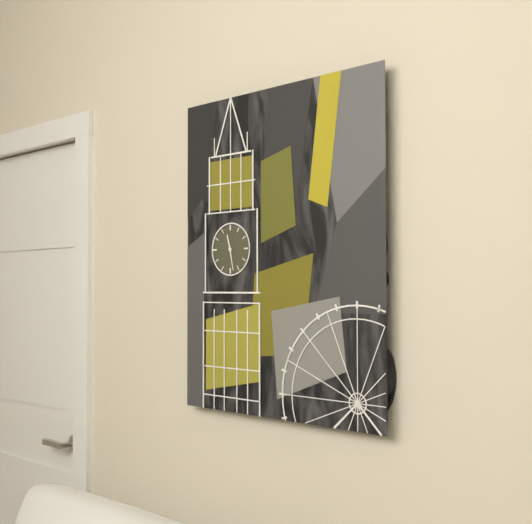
11.28
